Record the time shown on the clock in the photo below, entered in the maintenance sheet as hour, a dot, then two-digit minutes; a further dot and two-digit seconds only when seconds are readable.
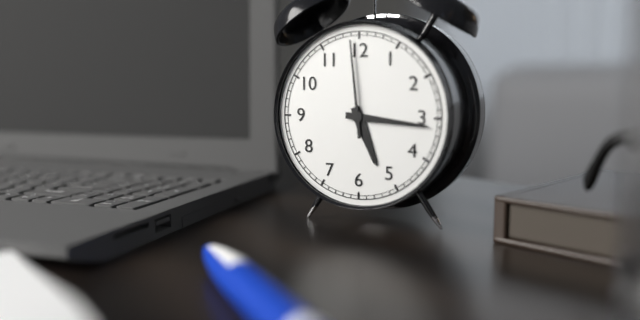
5.16.59
